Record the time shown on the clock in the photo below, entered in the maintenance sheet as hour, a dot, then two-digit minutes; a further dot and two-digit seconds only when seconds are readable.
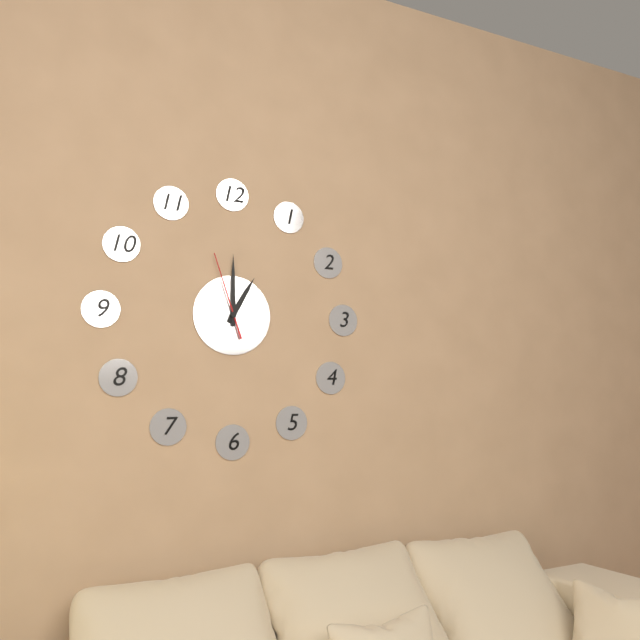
1.00.57
